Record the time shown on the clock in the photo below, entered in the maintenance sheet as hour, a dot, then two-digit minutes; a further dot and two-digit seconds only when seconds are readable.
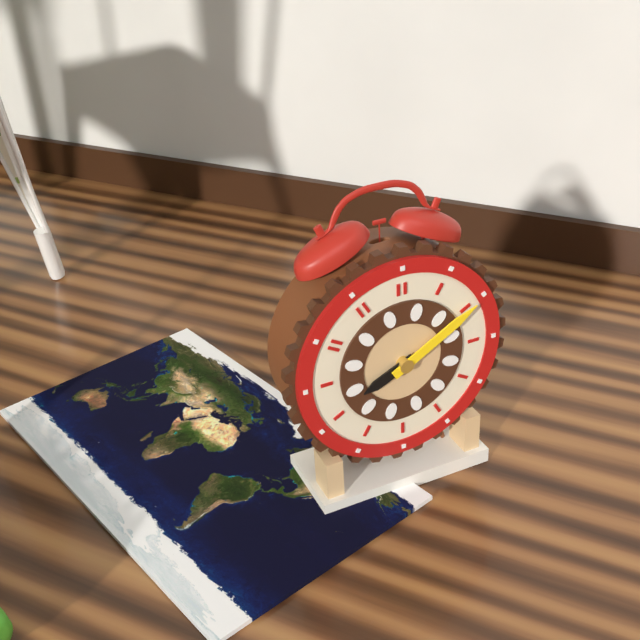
8.10
